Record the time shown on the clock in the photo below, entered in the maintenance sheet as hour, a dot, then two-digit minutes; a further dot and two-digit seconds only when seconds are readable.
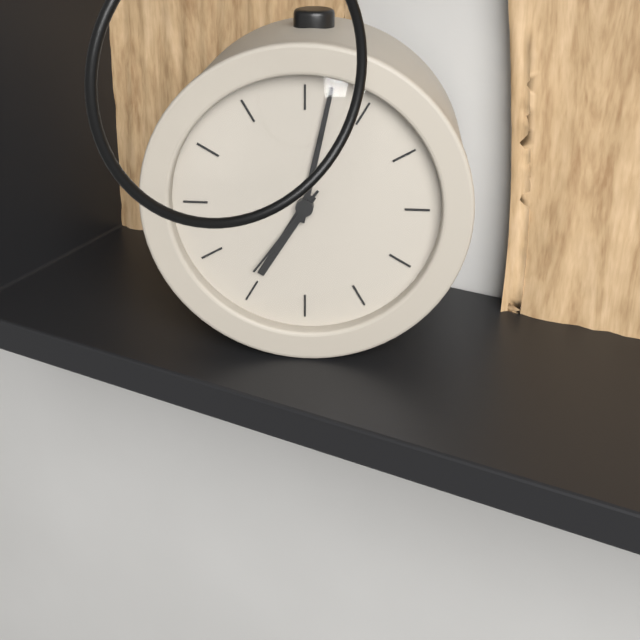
7.02.36
